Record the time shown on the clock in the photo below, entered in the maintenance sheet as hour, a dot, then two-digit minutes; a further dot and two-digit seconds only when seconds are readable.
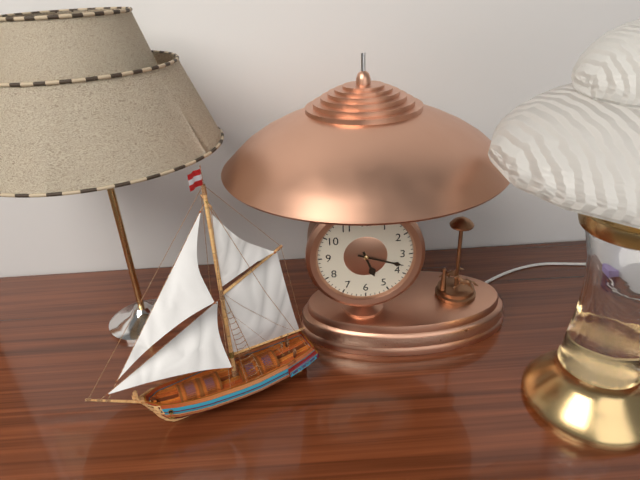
5.18
